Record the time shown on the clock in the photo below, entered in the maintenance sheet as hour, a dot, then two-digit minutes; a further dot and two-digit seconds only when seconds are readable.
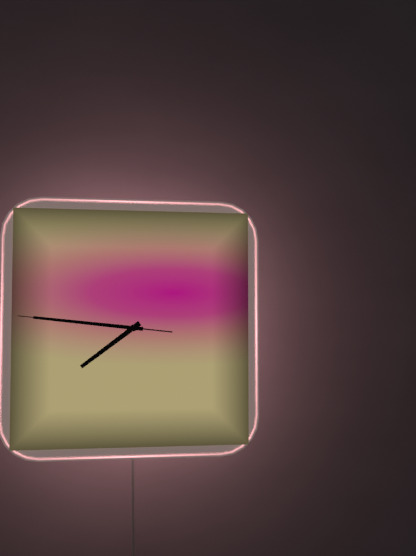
7.46.46
